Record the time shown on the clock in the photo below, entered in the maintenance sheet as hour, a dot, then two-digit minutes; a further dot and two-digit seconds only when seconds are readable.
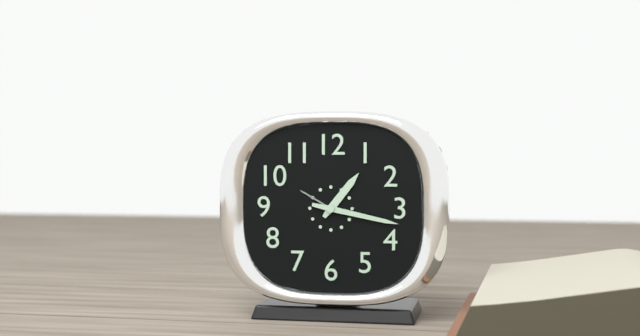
1.17
